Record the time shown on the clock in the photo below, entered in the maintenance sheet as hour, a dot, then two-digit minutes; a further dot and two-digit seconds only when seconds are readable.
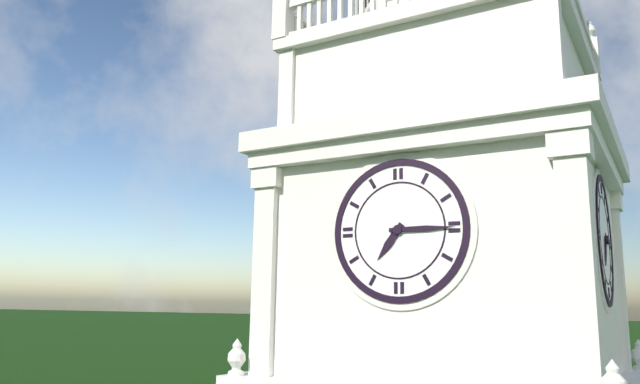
7.15
